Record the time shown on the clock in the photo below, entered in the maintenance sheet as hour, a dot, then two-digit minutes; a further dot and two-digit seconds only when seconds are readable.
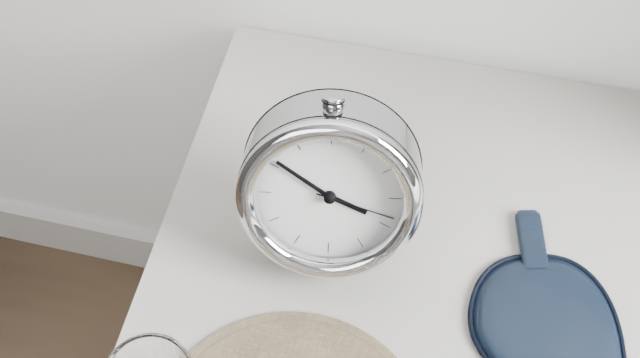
3.51.18
